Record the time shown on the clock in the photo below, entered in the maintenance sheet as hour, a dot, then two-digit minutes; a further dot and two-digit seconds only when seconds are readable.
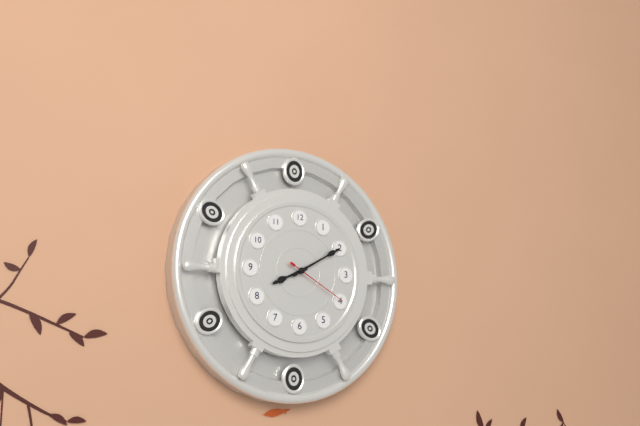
8.10.20
